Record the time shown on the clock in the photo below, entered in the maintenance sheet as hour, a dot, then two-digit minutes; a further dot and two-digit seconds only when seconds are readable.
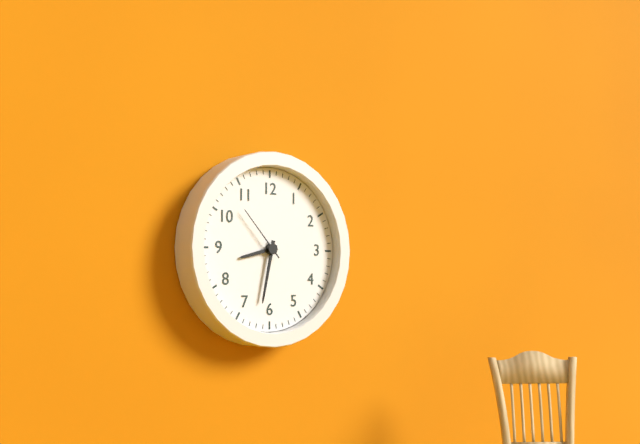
8.32.53
